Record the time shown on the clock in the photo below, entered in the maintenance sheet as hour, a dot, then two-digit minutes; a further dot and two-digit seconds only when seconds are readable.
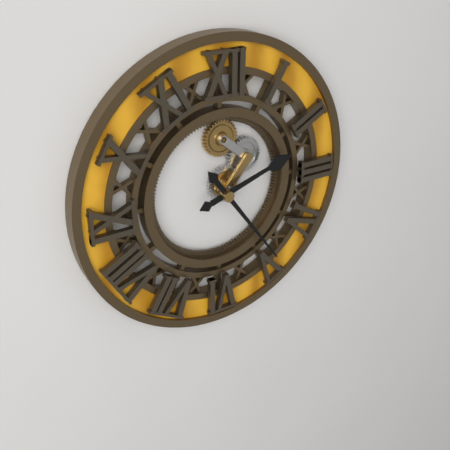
2.24
